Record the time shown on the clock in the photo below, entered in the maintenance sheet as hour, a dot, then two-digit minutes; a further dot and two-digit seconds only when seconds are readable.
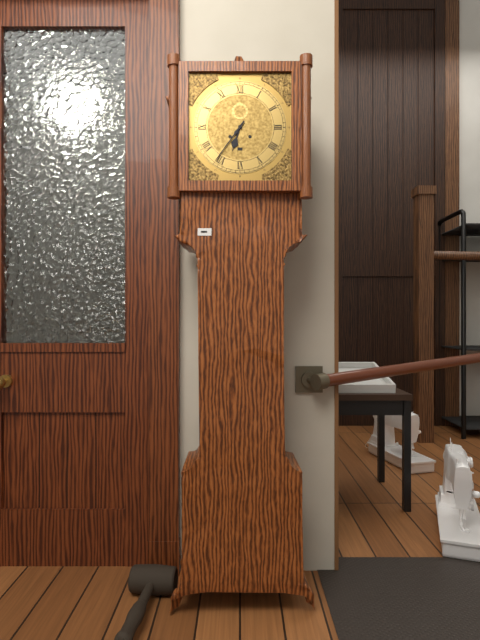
6.36
